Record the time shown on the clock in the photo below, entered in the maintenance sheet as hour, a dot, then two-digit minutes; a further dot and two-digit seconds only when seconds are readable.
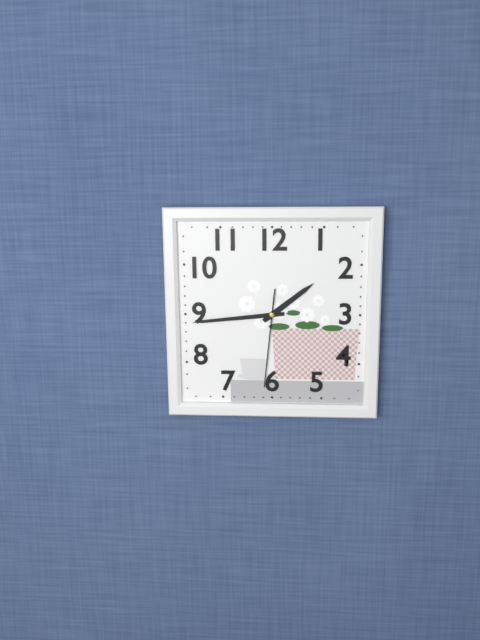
1.44.31
